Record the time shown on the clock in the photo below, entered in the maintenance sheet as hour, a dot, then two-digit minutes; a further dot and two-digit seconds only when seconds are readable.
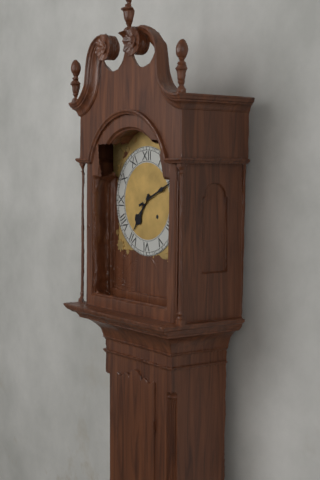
7.11
